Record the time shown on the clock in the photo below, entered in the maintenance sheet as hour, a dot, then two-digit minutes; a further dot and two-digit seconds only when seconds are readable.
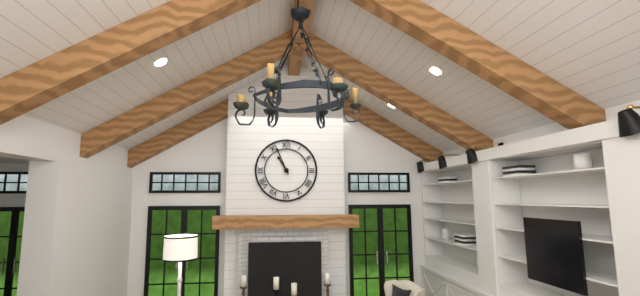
10.56
